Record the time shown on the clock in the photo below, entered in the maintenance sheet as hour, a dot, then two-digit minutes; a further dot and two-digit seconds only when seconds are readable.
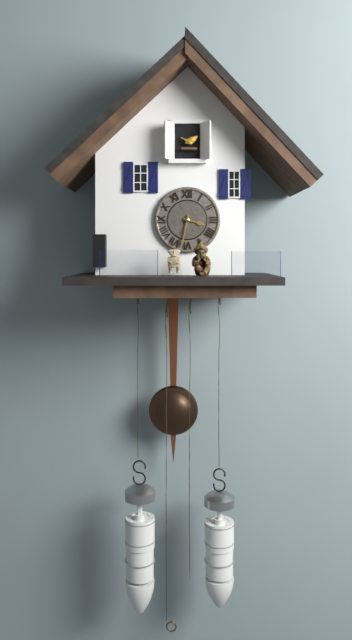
3.32
